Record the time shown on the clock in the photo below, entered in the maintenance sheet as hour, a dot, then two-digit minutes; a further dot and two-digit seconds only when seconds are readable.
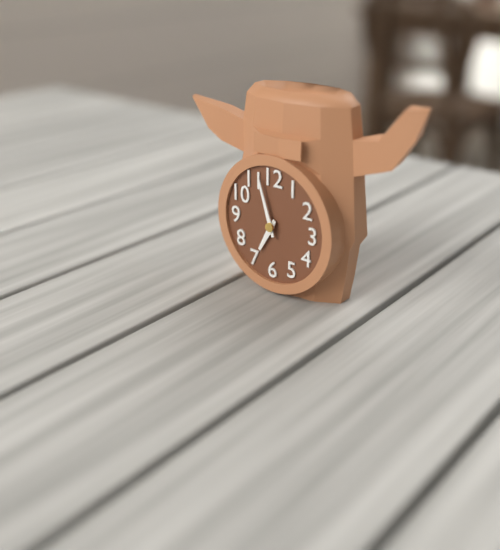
6.57
